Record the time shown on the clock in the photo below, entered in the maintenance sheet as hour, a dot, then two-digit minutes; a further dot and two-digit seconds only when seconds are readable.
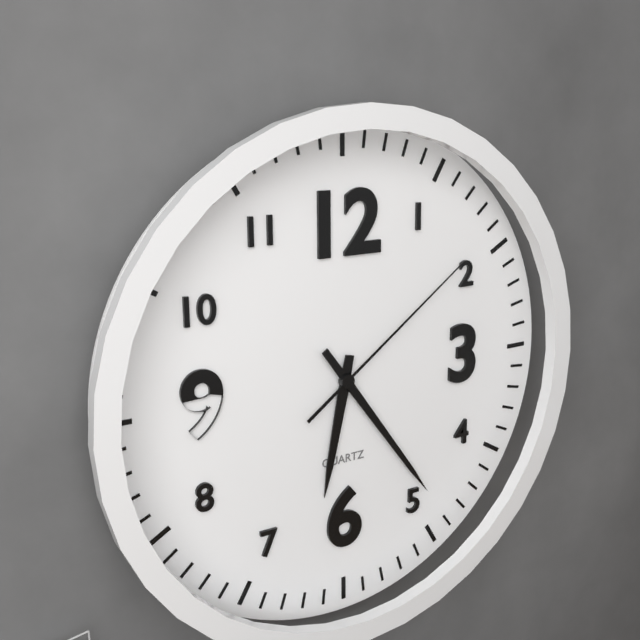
6.24.09
